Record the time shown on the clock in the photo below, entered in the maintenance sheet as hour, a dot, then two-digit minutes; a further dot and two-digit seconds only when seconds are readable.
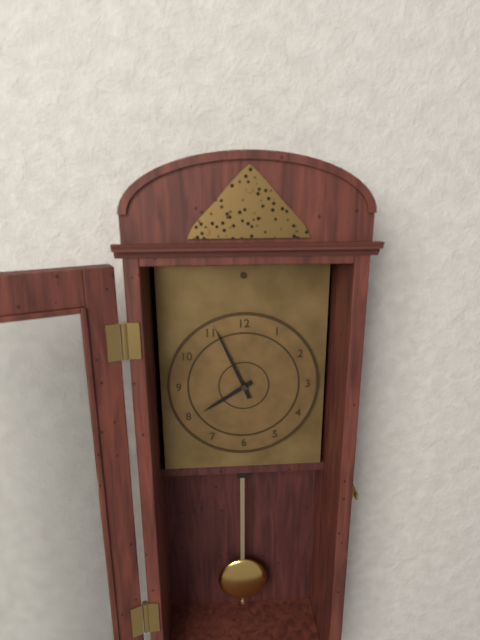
7.56
